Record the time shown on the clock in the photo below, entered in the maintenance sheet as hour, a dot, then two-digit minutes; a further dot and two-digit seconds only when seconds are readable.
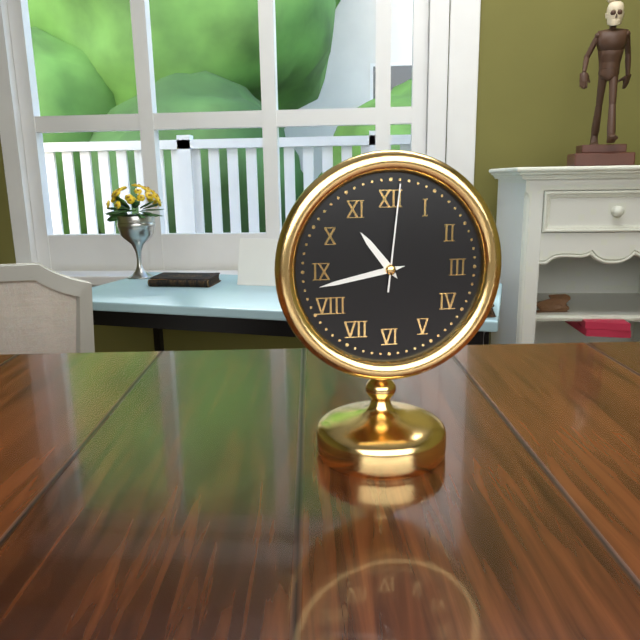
10.43.01
